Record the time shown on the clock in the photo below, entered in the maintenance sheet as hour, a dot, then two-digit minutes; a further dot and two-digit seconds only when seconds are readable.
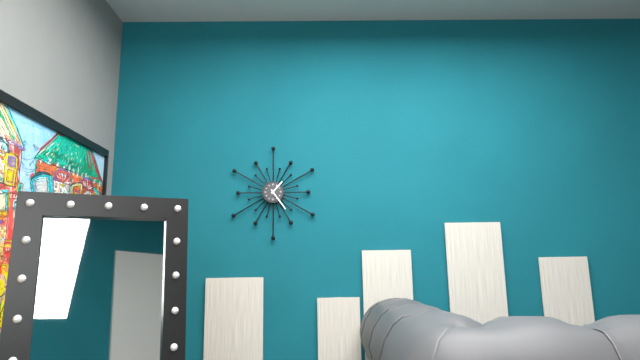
1.24
